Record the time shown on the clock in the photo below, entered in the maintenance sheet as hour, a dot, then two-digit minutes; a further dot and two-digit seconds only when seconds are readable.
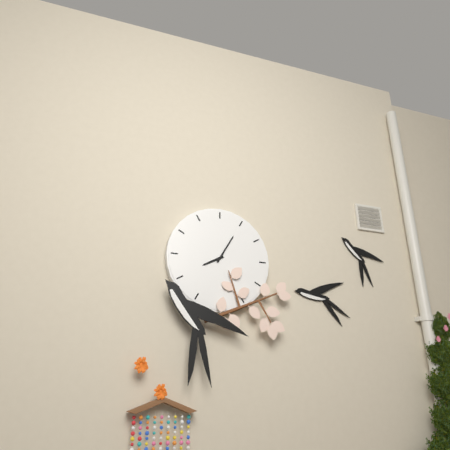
8.05
